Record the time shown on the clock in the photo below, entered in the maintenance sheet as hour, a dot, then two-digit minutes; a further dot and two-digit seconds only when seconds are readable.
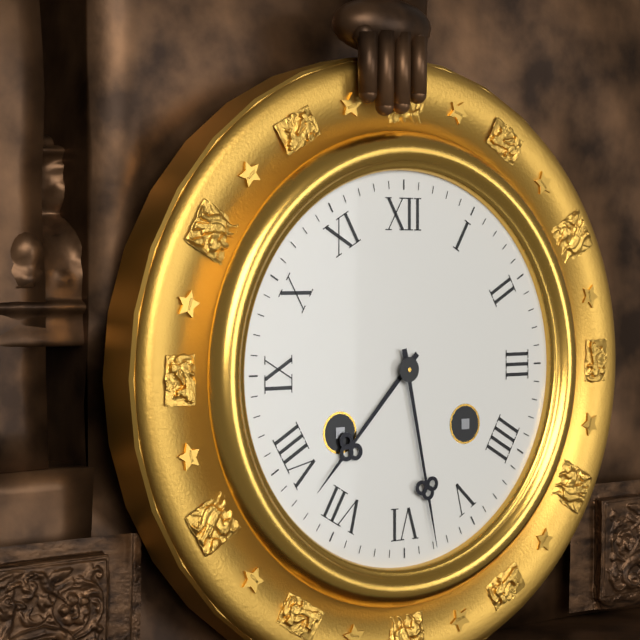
7.28
